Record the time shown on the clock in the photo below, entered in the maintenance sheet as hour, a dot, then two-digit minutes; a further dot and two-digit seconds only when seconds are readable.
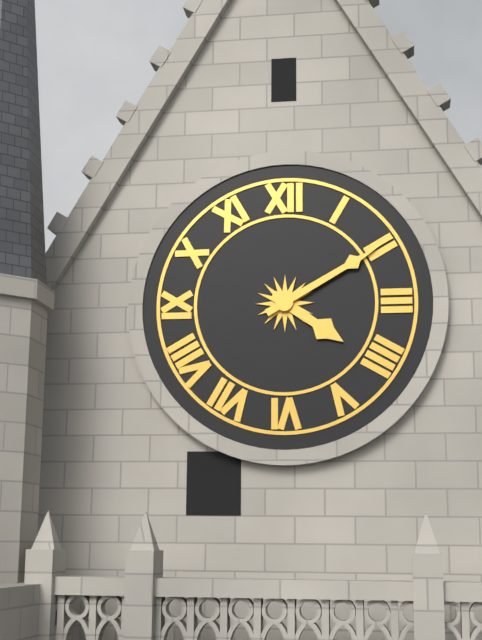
4.10
